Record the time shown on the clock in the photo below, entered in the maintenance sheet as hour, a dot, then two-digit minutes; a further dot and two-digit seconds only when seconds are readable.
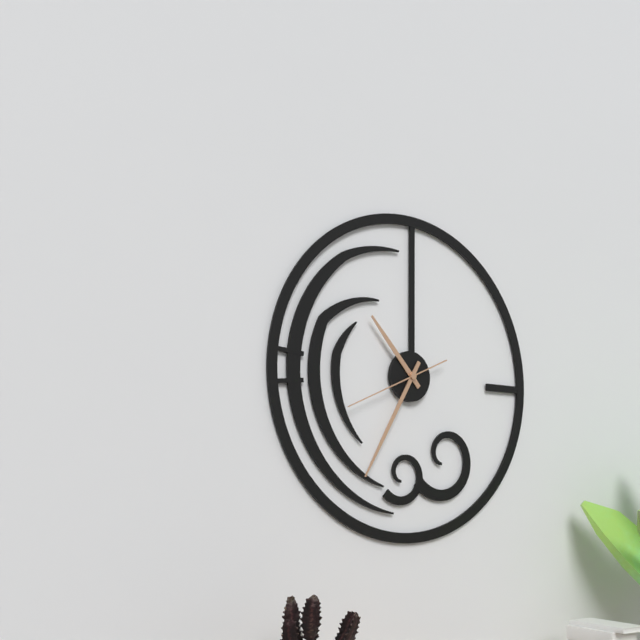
10.35.41
